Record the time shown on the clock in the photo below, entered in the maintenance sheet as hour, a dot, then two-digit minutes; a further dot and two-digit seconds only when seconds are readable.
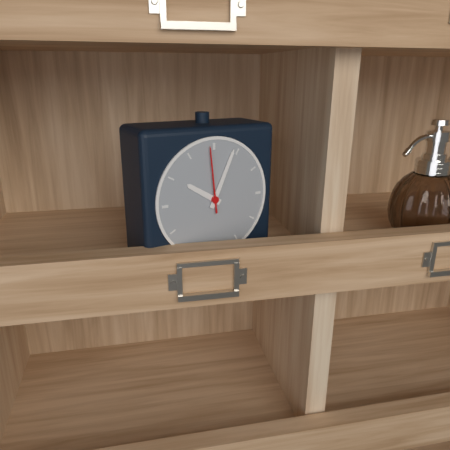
10.04.59
